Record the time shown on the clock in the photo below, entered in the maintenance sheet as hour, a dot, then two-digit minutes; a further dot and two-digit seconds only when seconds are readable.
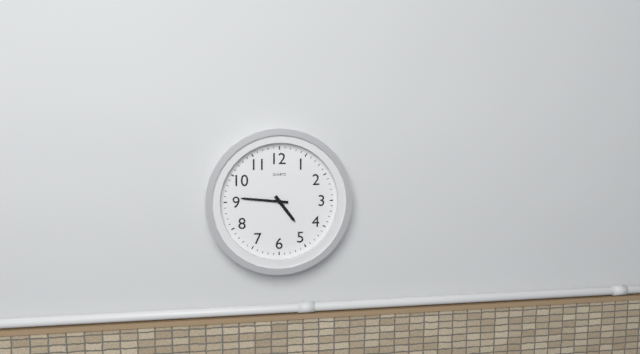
4.46
